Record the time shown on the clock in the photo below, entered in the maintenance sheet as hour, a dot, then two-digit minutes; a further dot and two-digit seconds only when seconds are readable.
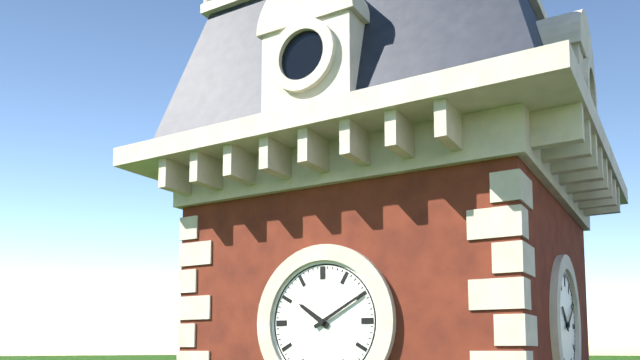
10.10
